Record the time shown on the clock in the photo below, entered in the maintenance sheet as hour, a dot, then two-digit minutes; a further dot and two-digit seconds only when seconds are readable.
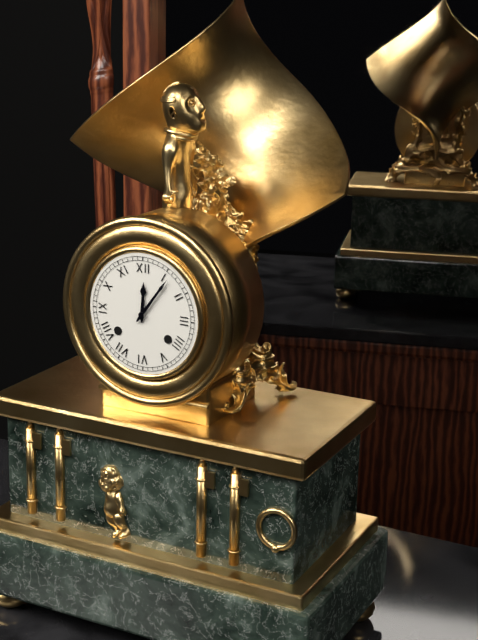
12.06
